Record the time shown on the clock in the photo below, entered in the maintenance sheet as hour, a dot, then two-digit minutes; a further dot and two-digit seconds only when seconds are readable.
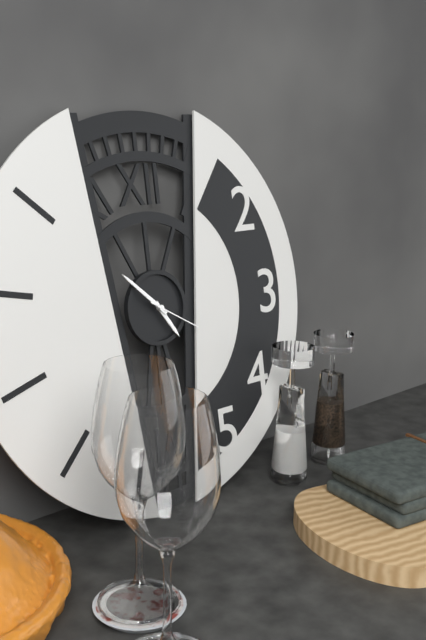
4.52.20
